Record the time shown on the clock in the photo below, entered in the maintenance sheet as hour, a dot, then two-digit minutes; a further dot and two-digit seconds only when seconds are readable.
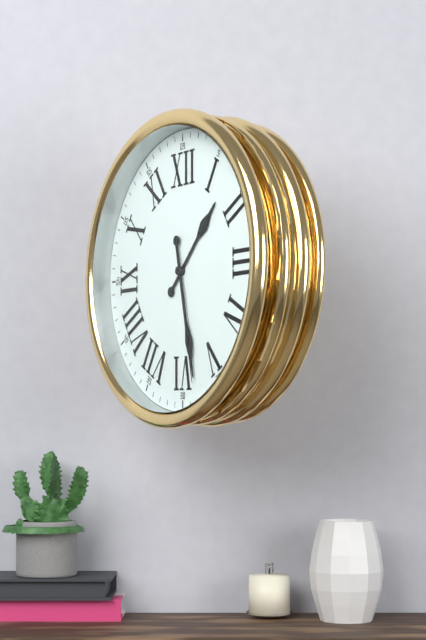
1.28.28
